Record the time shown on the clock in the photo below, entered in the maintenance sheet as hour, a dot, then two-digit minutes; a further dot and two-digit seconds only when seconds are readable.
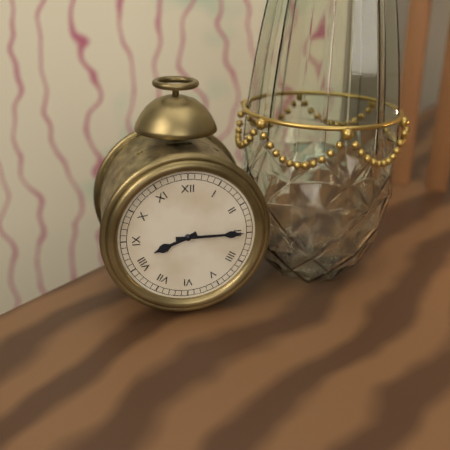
8.15
